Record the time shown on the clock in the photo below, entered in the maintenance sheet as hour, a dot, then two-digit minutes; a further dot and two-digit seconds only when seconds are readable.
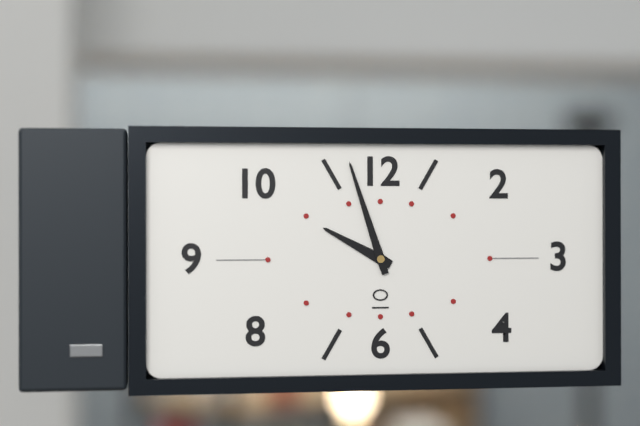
9.57
